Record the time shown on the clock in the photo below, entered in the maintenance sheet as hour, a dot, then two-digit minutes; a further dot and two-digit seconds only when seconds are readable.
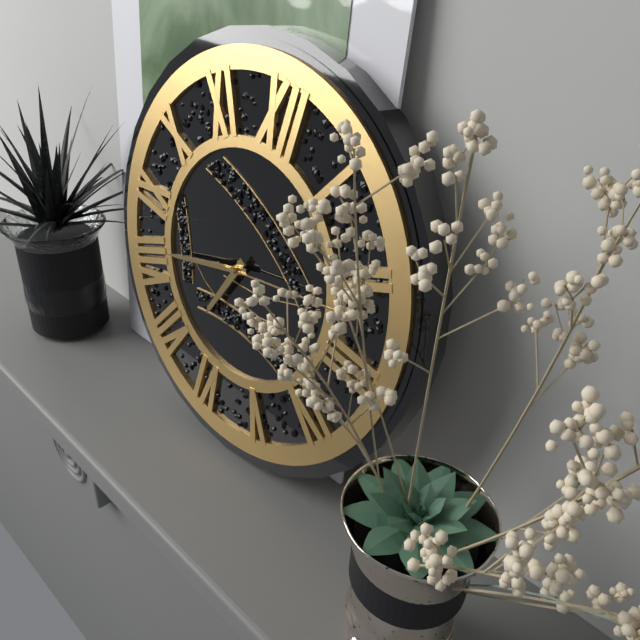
6.41
